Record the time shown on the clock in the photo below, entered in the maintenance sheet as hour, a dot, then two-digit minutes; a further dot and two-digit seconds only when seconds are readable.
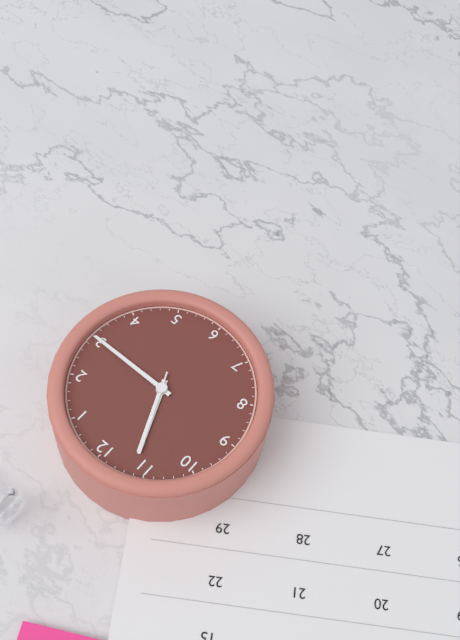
11.15.56
